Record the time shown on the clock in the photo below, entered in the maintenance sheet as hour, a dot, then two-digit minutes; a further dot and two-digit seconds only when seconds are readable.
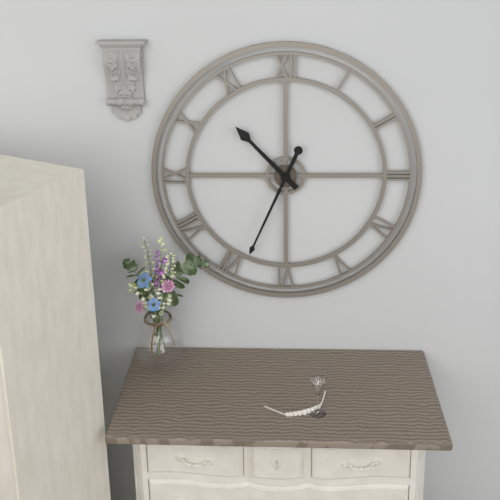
10.34
